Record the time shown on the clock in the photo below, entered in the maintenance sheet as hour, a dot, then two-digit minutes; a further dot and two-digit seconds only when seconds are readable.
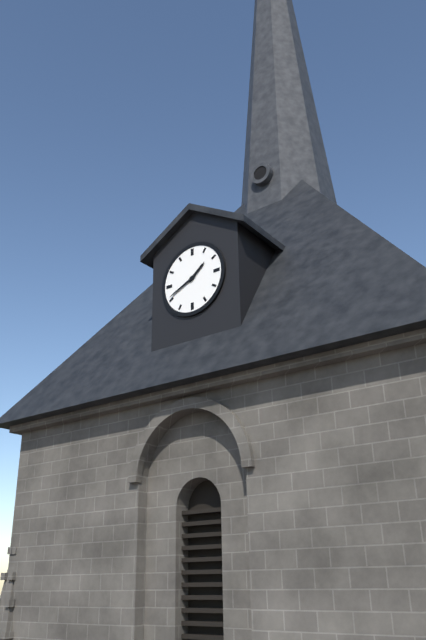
1.41
